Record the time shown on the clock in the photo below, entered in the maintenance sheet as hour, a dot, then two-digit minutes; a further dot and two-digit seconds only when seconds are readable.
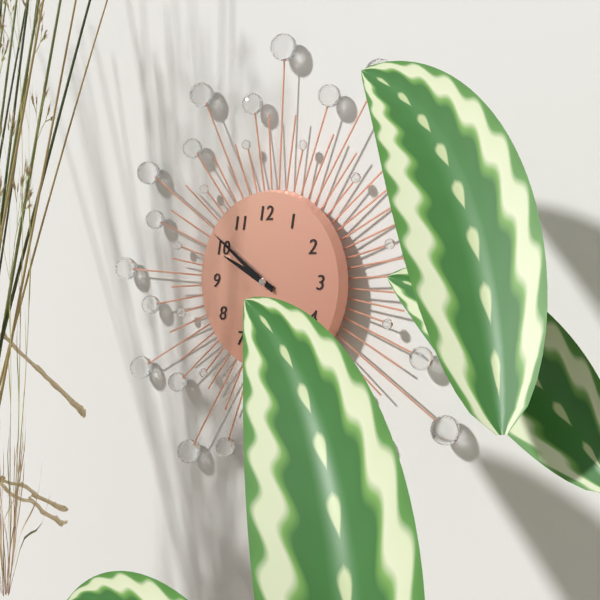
9.51
